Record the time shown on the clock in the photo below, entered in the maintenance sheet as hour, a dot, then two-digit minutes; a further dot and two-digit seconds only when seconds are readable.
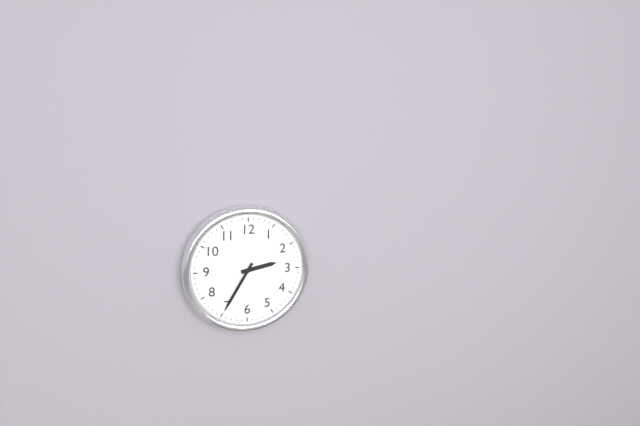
2.35
